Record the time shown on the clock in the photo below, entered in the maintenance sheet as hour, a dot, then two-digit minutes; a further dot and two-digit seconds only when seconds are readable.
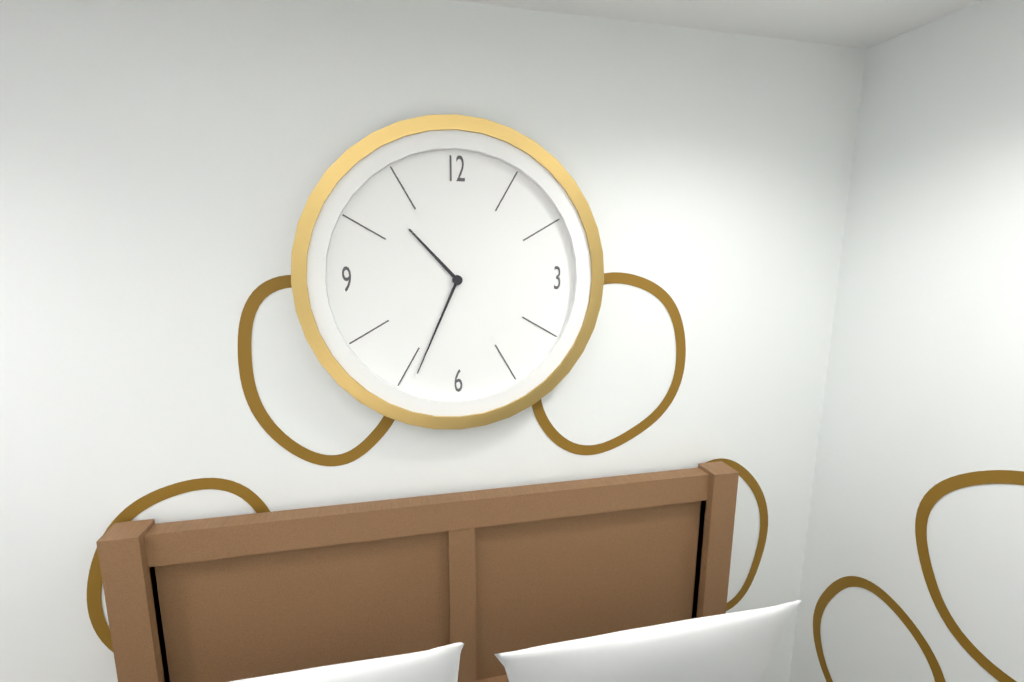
10.34
